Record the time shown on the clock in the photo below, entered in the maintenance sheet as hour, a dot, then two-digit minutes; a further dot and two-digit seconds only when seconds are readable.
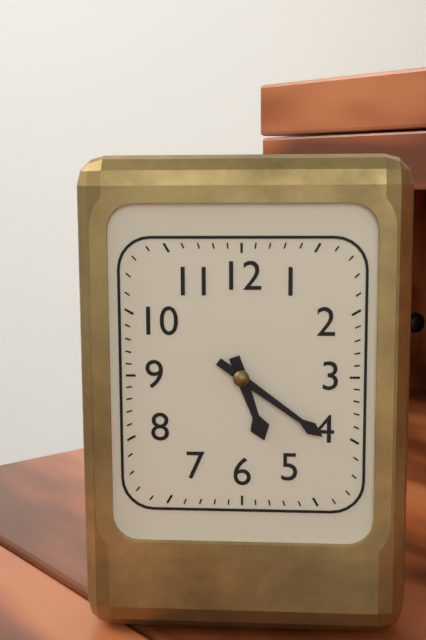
5.21
